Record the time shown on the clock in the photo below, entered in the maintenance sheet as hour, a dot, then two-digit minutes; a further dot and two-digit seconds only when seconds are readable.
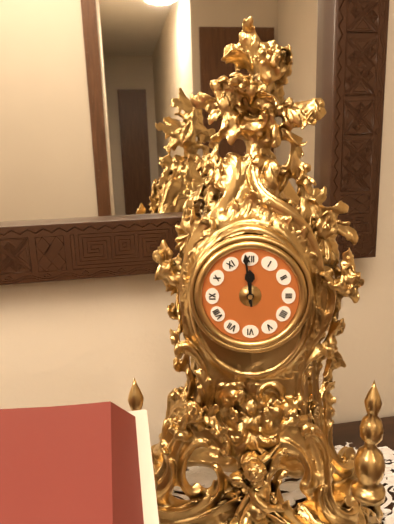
11.59
